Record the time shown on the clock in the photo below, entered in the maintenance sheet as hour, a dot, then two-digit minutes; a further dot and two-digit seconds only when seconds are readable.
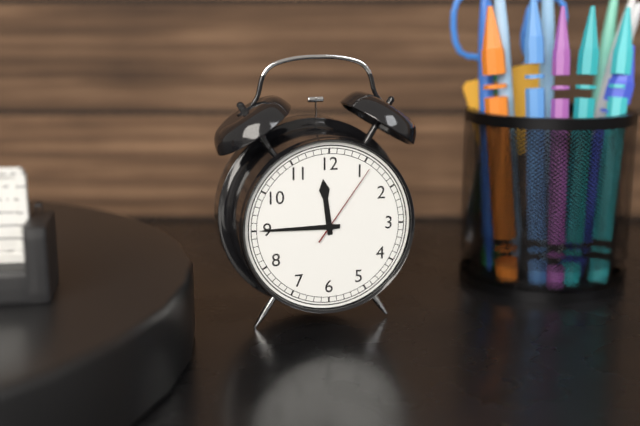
11.45.06
